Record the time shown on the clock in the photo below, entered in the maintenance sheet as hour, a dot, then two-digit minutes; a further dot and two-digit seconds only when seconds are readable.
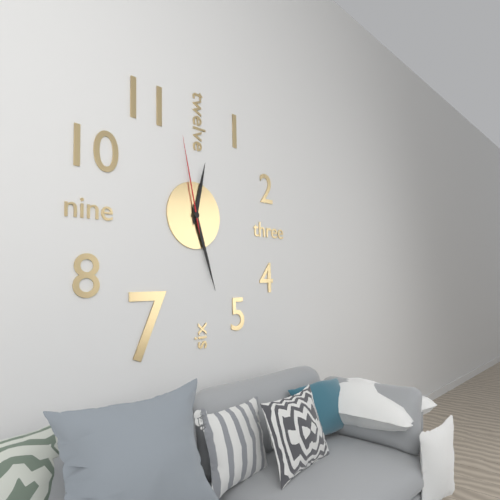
12.27.58
